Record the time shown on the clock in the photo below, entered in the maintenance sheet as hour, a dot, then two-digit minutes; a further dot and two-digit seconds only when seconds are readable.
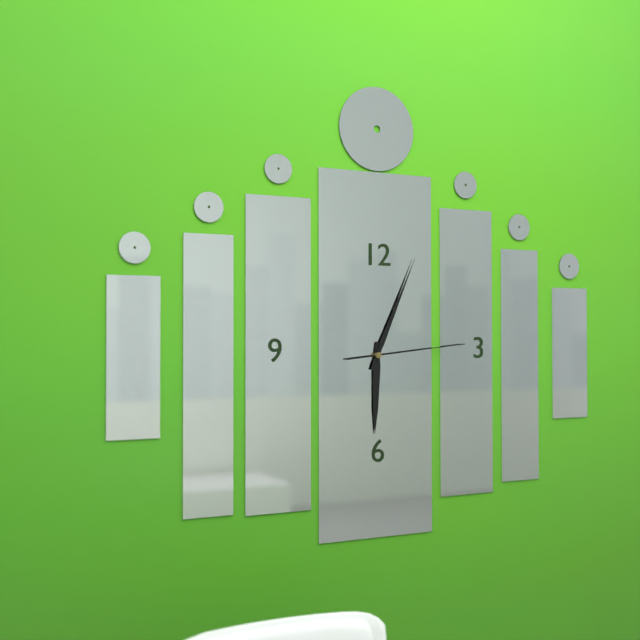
6.04.14
